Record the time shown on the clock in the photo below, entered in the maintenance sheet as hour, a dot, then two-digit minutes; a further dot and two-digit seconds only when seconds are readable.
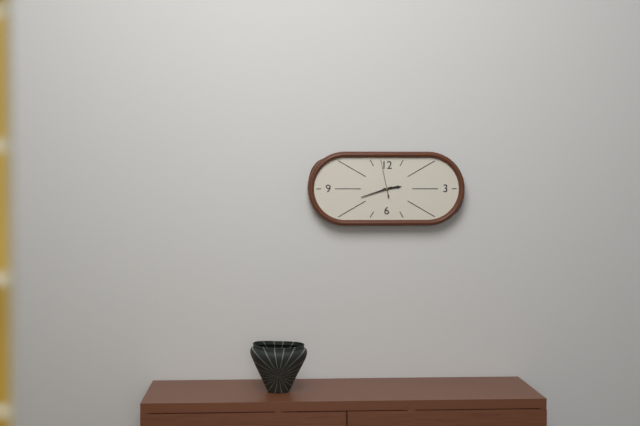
2.42
